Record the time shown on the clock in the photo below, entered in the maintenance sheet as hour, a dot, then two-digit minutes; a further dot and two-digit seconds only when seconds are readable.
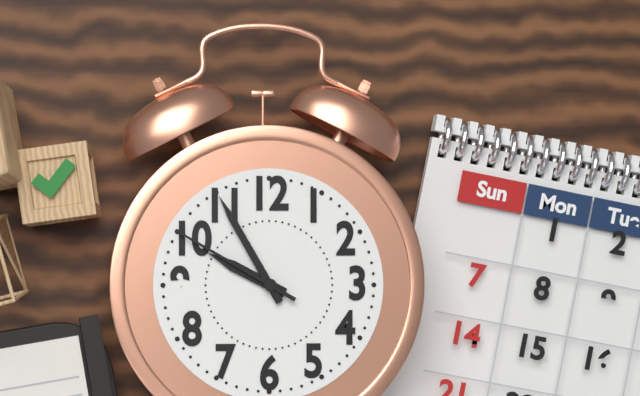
9.55.50
